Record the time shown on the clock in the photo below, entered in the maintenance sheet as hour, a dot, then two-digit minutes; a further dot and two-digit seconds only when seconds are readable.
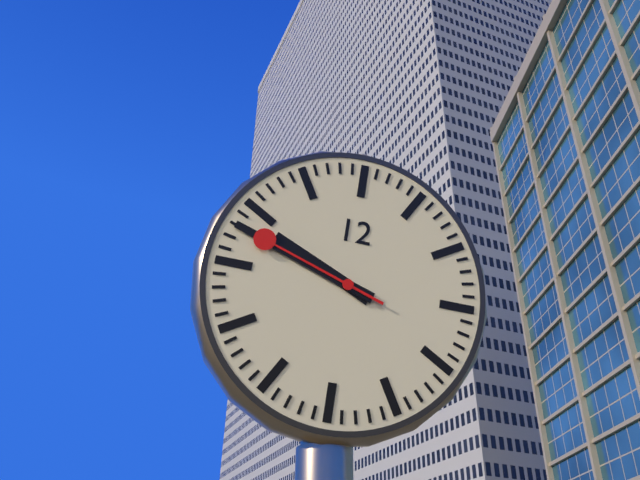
9.48.48
